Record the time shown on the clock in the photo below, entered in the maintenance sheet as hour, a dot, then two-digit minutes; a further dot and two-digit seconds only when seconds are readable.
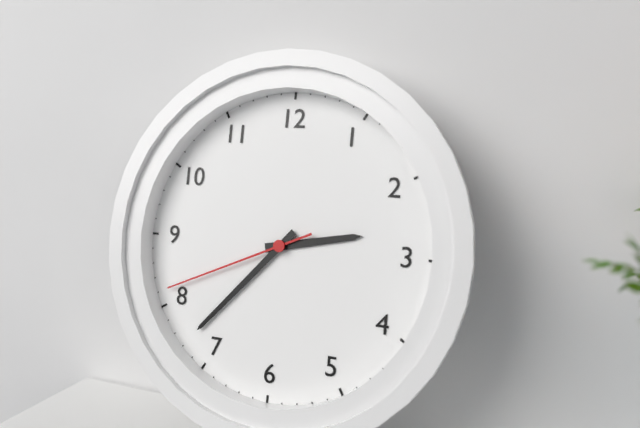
2.37.41
